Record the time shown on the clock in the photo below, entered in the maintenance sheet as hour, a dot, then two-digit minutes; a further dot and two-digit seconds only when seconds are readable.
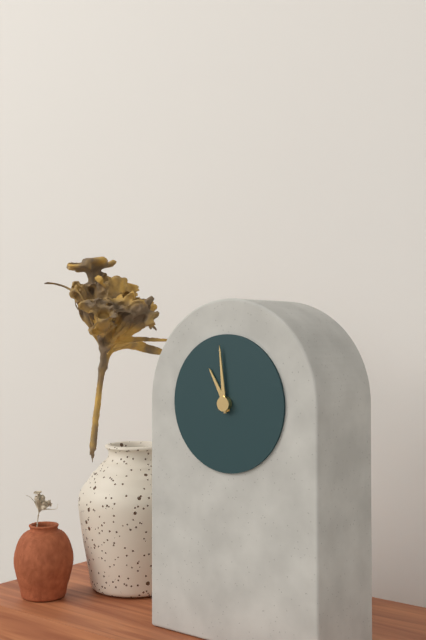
10.59
